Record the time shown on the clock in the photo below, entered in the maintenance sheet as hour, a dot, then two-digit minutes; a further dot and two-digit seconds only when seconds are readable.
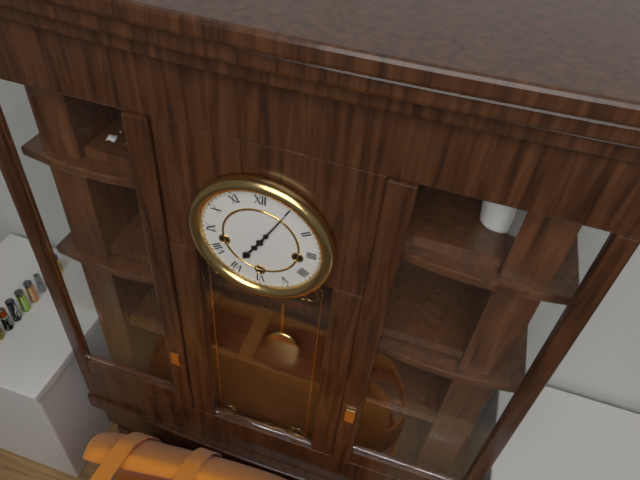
7.05
